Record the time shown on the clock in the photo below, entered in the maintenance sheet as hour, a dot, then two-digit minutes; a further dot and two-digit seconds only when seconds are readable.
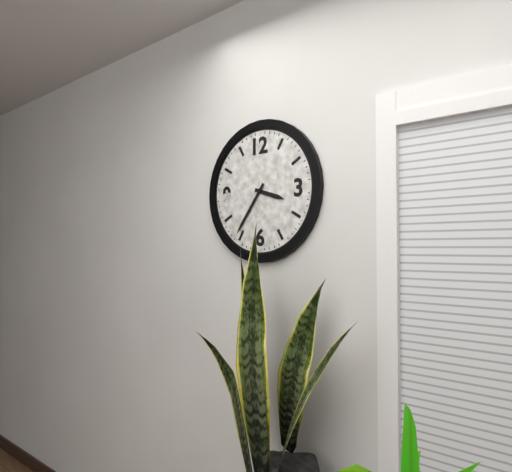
3.36
